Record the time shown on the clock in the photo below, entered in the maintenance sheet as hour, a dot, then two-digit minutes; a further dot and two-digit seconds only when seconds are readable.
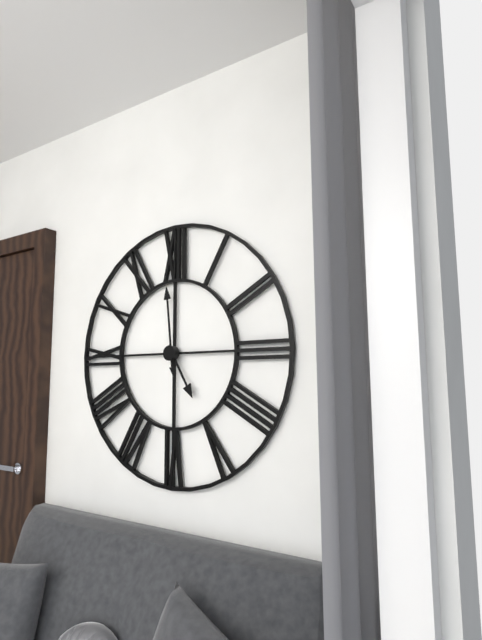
4.59
